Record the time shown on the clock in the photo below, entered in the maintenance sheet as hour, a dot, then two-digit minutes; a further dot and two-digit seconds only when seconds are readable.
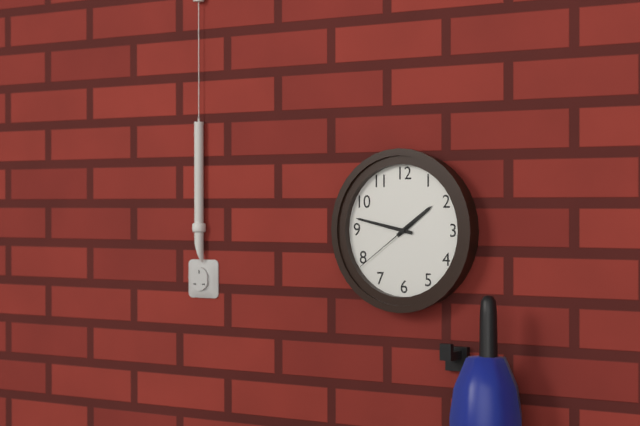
1.47.39
